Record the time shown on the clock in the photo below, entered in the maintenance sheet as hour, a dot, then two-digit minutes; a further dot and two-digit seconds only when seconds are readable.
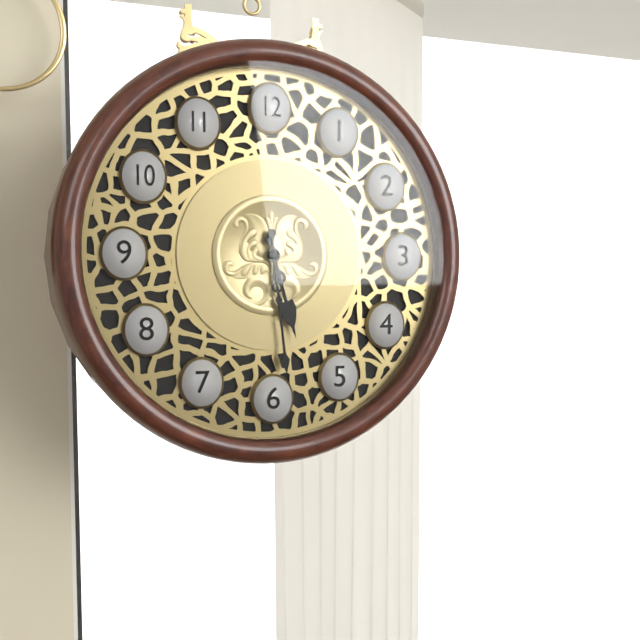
5.29
